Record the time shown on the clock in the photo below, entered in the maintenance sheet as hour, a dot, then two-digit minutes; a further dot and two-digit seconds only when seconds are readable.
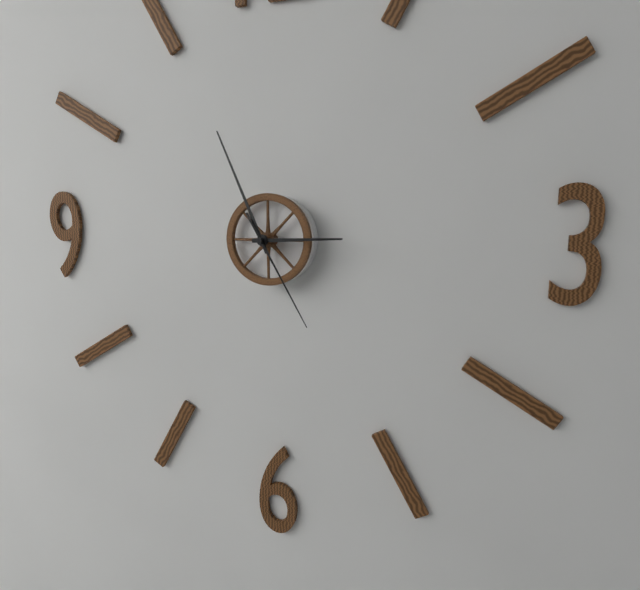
2.56.25
